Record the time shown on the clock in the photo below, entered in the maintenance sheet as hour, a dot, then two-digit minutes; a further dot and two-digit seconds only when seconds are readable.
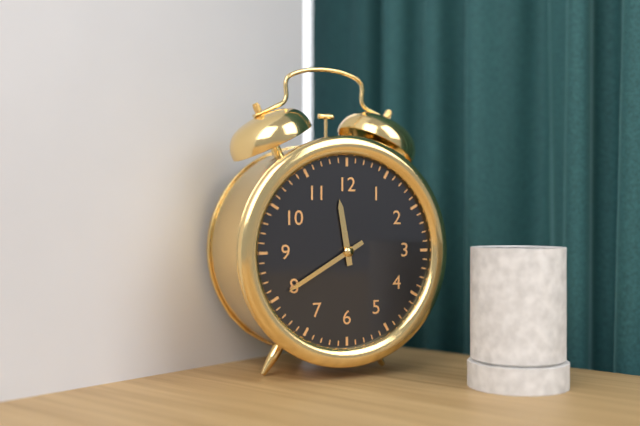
11.40
